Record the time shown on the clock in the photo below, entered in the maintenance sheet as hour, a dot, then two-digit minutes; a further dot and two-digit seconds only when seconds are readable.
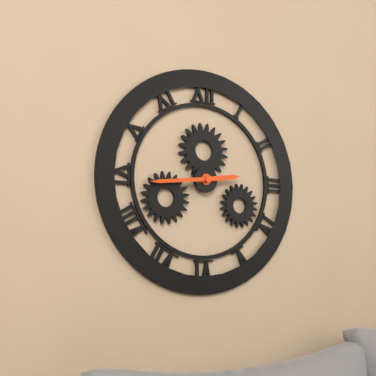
2.44
